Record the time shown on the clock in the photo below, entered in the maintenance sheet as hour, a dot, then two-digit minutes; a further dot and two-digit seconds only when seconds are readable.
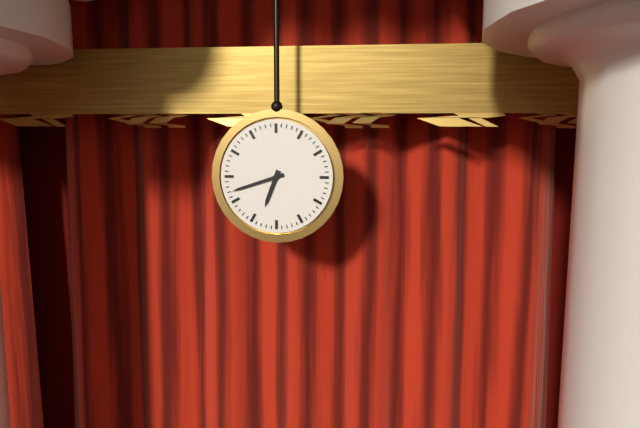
6.42
